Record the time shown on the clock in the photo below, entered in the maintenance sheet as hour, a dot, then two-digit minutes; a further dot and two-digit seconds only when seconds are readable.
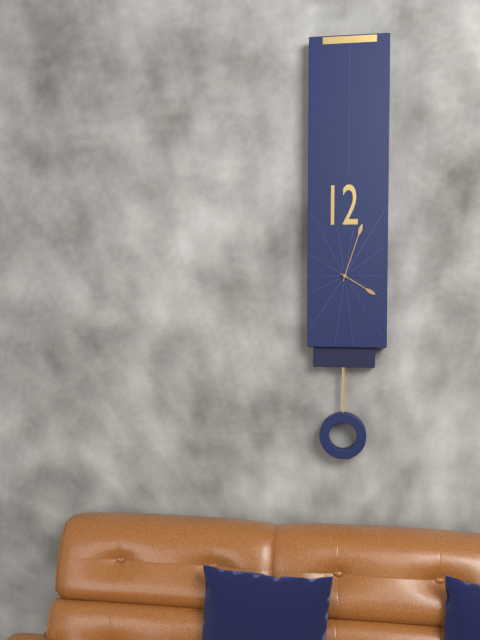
4.03
